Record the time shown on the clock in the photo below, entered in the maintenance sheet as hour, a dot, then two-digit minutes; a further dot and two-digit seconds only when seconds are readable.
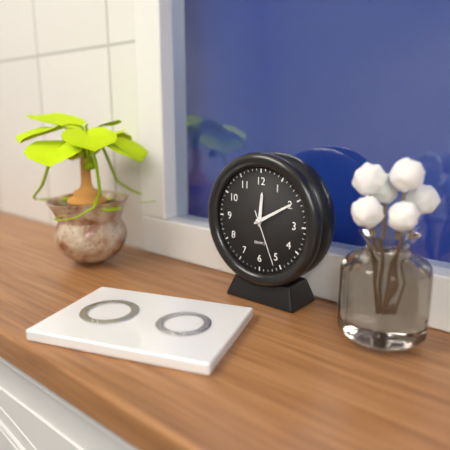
12.10.26
